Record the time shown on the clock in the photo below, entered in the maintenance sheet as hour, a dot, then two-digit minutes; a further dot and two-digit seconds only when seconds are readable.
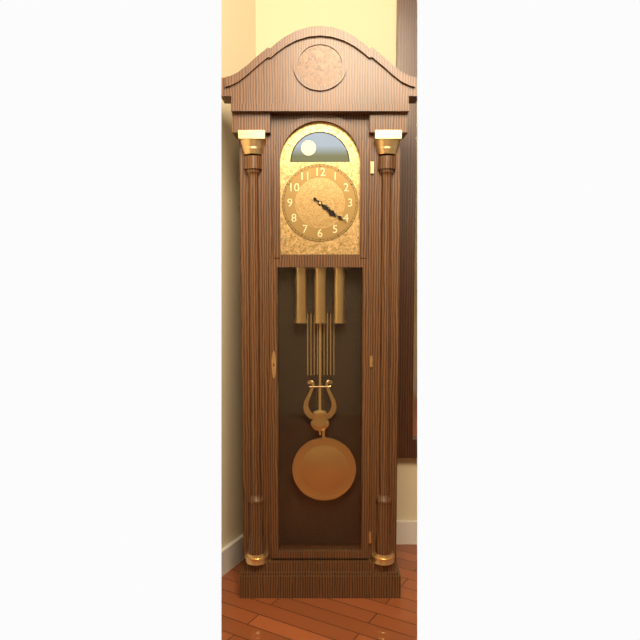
4.21
